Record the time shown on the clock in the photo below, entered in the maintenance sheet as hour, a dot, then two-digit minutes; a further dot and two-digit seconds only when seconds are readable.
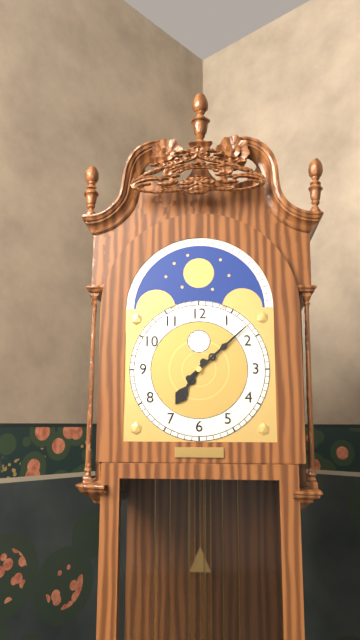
7.08
